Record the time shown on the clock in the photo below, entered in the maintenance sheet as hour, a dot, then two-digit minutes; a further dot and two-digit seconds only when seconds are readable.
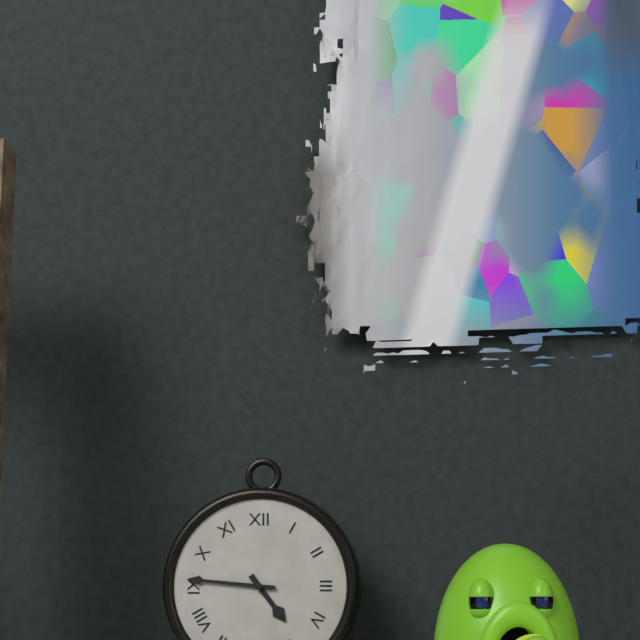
4.46
